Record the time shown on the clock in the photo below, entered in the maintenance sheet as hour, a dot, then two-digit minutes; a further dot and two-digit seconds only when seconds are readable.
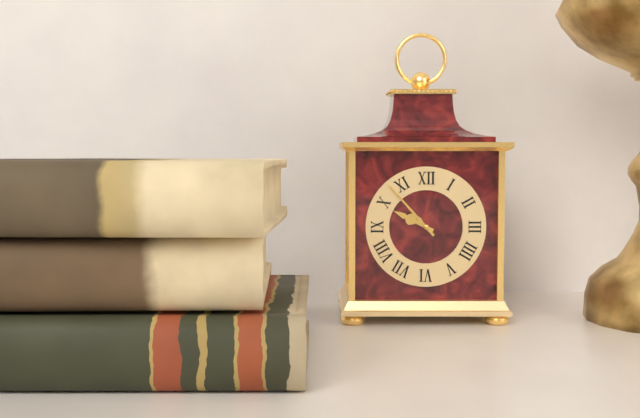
9.53
